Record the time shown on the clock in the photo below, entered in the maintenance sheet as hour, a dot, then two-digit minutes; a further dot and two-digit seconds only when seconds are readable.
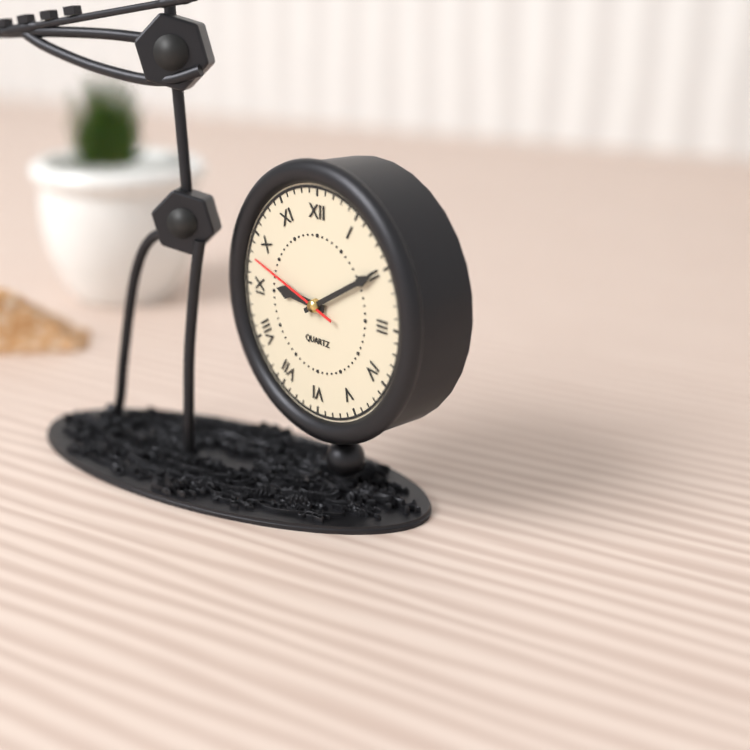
9.10.48
